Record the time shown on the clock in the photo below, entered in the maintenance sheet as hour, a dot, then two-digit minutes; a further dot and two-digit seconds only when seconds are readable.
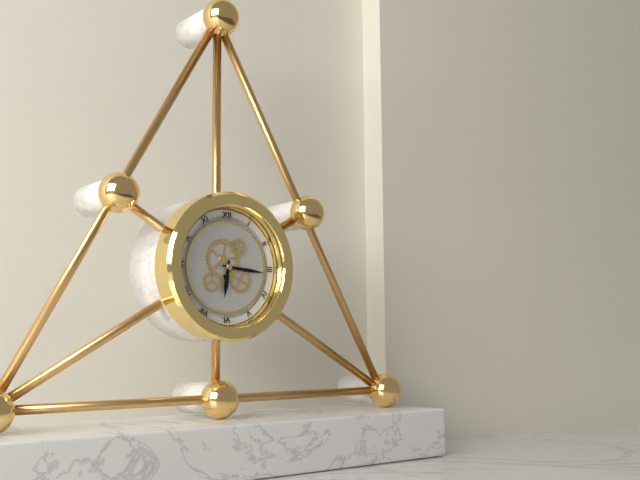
6.16
